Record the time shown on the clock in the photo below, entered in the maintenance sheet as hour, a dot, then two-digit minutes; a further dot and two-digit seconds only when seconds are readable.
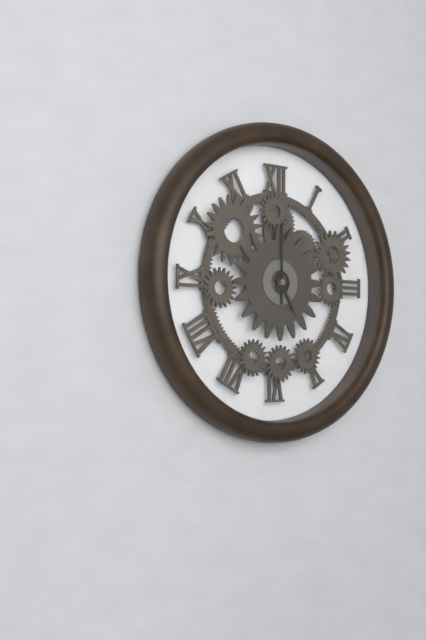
5.00
